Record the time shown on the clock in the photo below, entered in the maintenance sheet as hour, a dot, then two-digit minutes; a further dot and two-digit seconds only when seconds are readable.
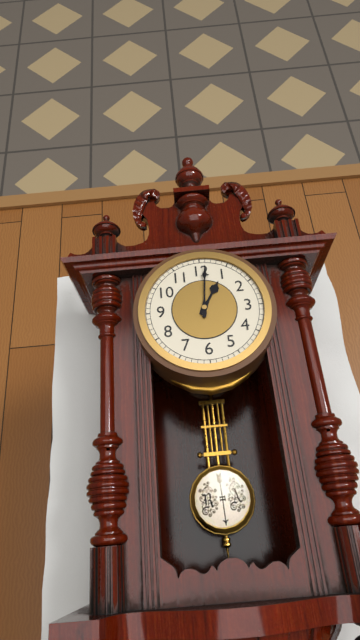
1.01
